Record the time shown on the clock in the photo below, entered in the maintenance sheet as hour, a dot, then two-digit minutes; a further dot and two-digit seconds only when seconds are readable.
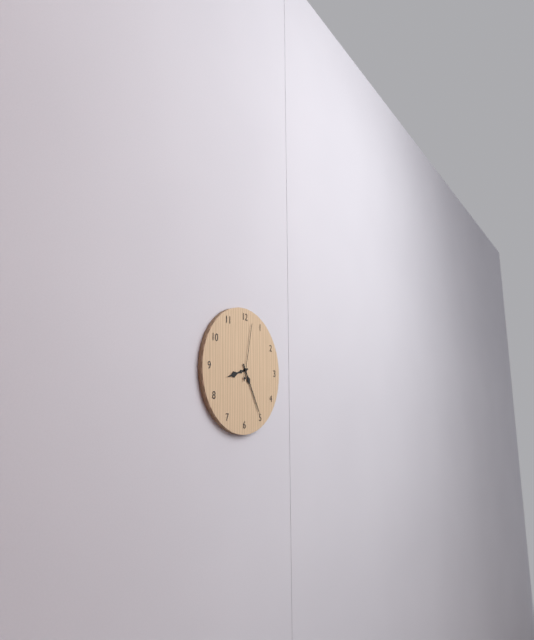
8.25.02
